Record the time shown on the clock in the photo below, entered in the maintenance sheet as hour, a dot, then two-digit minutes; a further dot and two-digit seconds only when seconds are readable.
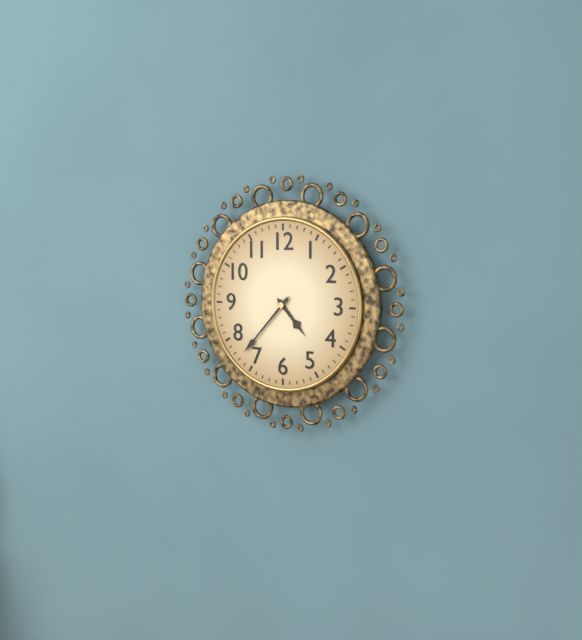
4.37
